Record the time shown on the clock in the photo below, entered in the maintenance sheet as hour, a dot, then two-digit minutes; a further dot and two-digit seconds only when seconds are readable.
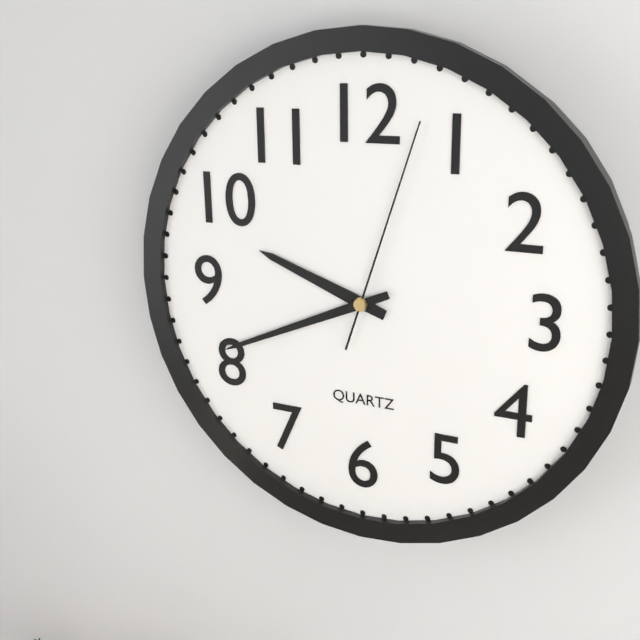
9.41.03
